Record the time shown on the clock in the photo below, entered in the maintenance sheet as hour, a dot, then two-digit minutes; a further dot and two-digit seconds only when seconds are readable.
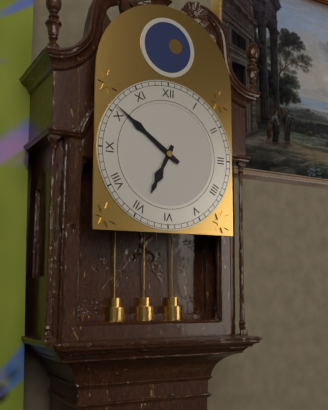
6.51
